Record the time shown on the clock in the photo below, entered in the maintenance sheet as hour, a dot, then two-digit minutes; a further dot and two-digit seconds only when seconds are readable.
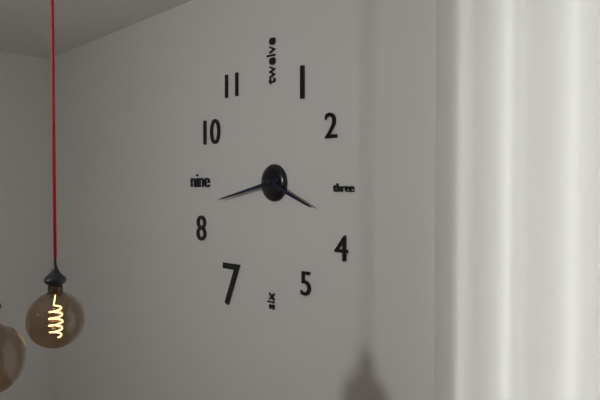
3.43
